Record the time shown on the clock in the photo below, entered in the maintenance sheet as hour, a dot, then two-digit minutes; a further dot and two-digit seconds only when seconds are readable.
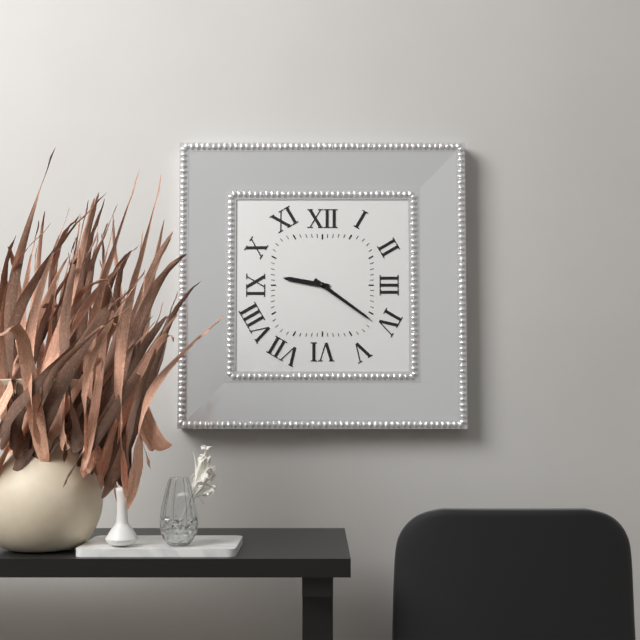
9.21
